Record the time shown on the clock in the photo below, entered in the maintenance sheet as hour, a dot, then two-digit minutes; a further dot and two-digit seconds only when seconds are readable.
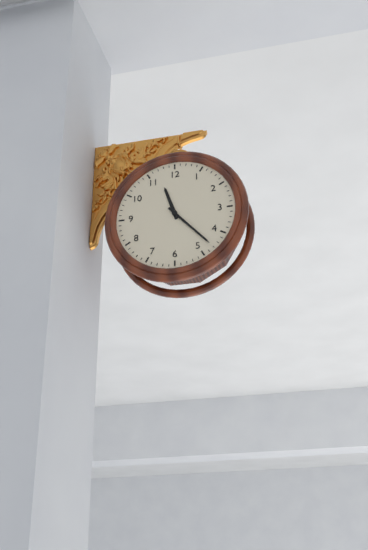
11.23
